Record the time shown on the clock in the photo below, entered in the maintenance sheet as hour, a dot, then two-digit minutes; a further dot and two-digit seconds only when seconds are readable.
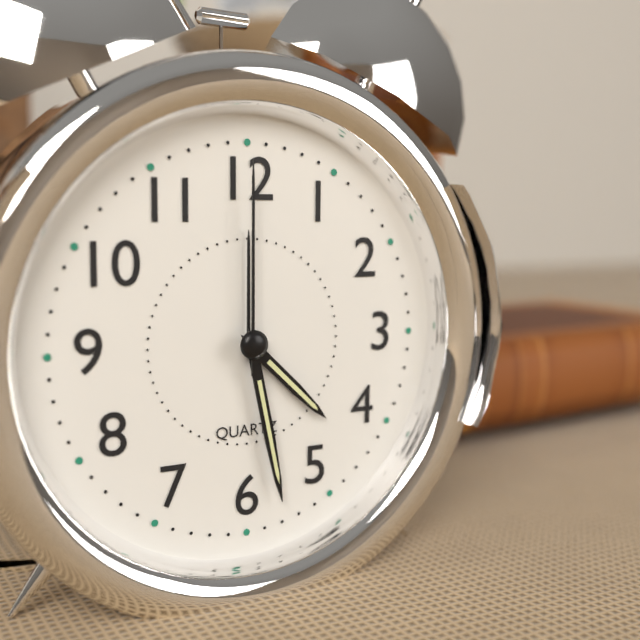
4.28.00
